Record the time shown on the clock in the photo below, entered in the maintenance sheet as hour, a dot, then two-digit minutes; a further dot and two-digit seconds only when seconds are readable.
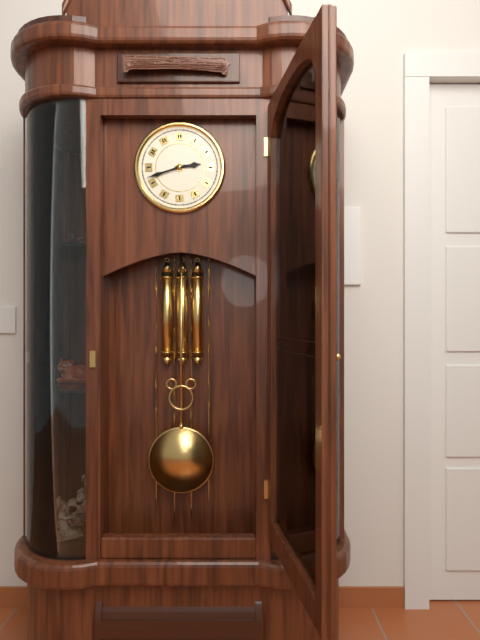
2.42
